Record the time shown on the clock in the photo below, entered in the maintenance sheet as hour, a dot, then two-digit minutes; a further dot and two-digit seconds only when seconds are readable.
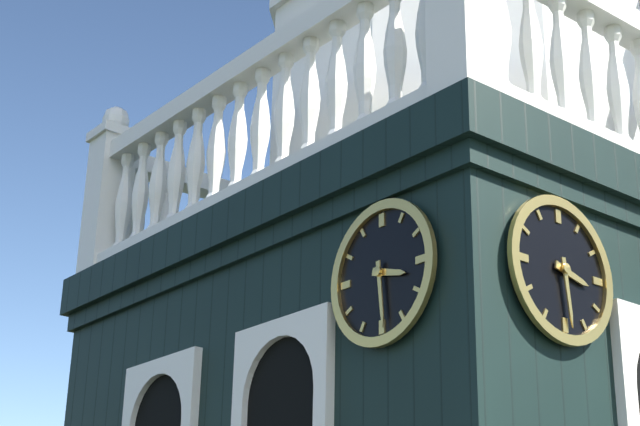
3.29
